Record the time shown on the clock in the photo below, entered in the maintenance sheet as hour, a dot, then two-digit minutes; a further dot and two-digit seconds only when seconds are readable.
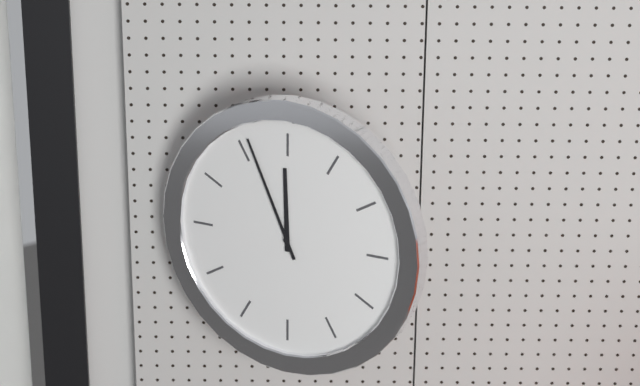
11.56
